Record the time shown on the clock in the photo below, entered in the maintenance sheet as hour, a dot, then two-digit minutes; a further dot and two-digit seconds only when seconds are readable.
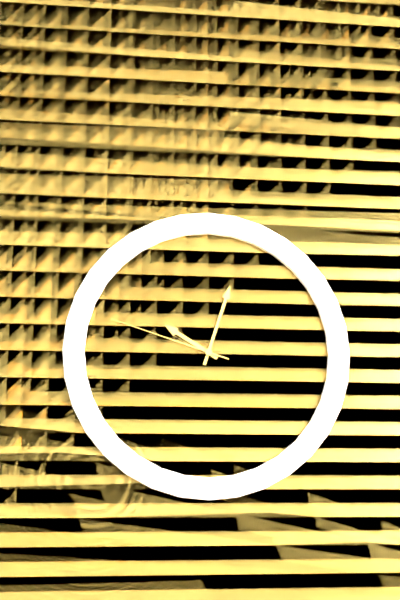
10.03.48
